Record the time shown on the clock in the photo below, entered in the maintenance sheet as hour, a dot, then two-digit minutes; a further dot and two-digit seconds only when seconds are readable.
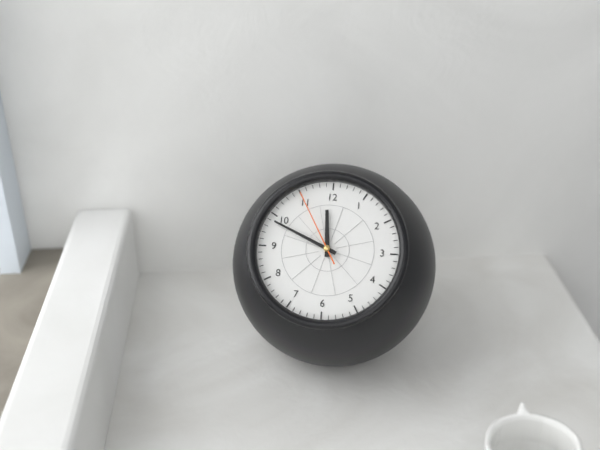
11.49.55
